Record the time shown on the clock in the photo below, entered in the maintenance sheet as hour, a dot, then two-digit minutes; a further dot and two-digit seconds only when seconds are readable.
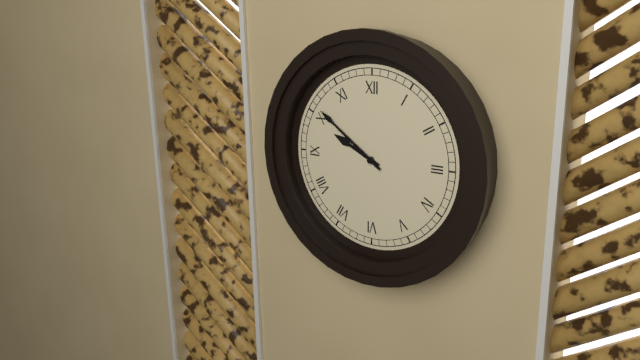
9.51
